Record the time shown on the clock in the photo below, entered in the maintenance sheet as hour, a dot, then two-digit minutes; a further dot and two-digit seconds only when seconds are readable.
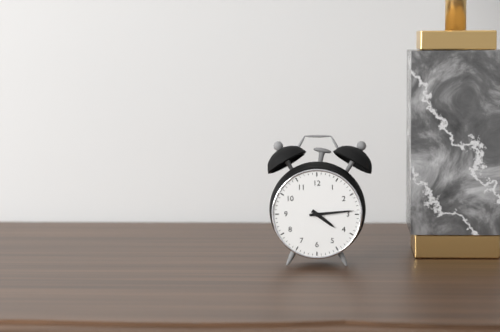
4.14
